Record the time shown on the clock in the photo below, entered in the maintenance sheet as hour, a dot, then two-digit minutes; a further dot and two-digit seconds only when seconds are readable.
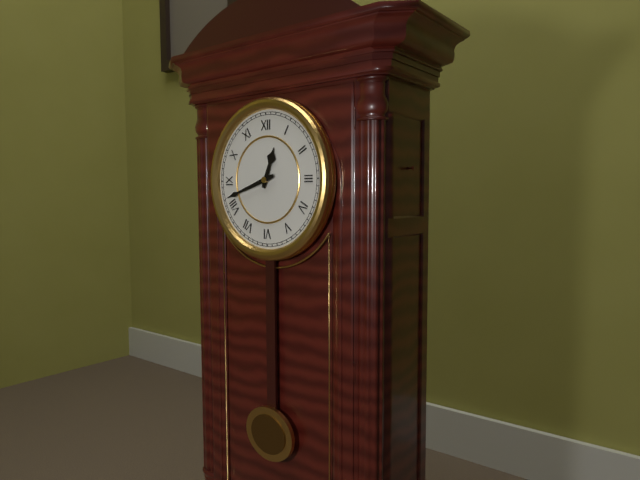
12.42
